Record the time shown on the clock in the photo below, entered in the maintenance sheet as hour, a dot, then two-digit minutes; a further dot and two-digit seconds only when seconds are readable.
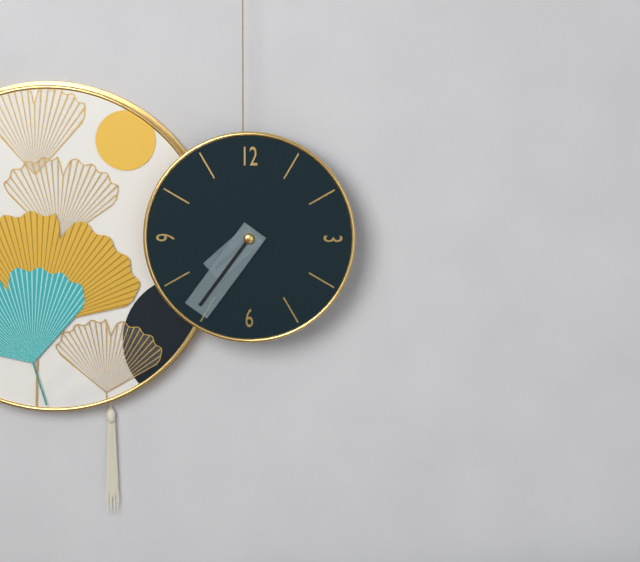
7.36
